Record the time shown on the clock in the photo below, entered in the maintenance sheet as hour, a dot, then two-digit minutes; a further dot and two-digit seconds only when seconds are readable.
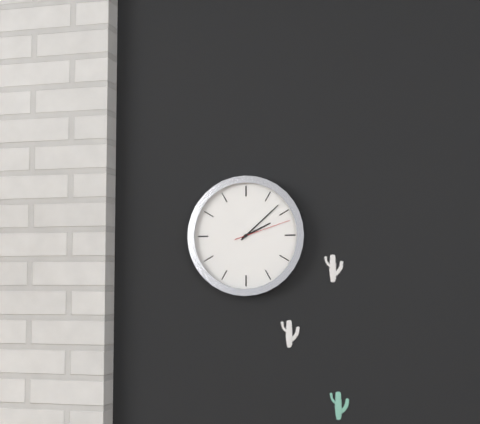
2.08.12
